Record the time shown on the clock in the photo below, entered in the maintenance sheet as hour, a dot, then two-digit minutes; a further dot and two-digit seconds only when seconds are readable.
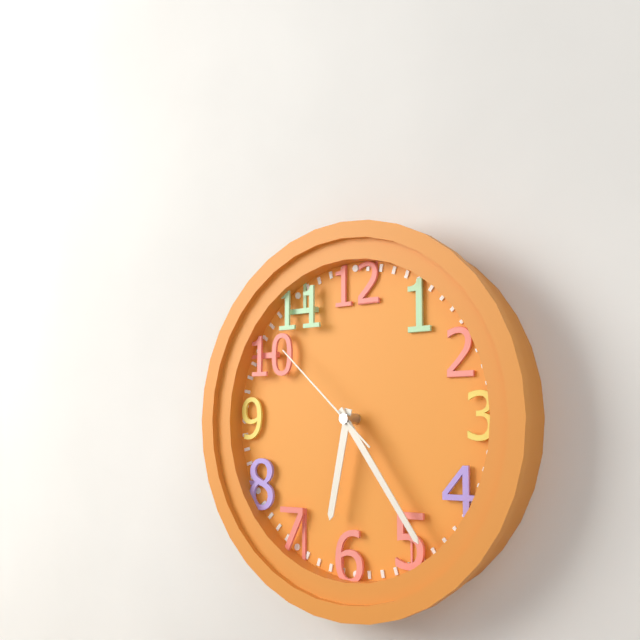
6.24.52
